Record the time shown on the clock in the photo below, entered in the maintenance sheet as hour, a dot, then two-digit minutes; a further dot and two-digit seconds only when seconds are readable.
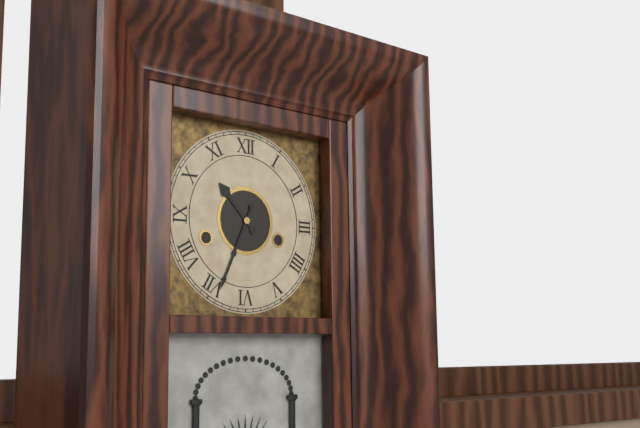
10.34
